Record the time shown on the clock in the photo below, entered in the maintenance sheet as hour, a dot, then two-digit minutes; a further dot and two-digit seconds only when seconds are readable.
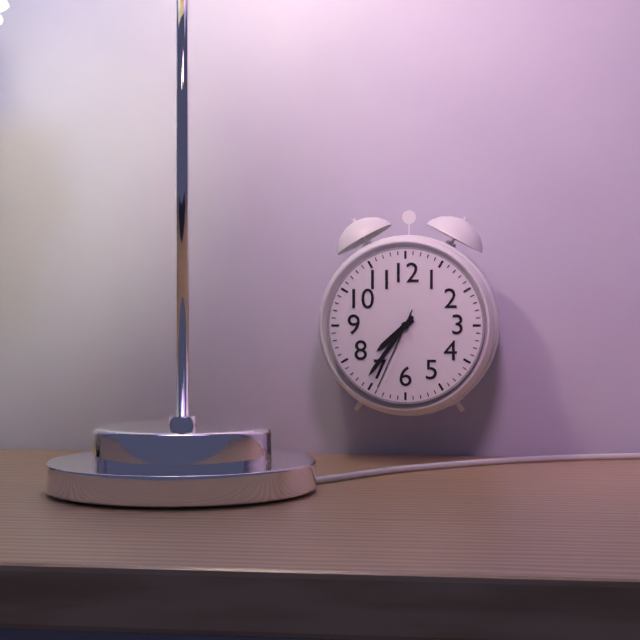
7.36.34
